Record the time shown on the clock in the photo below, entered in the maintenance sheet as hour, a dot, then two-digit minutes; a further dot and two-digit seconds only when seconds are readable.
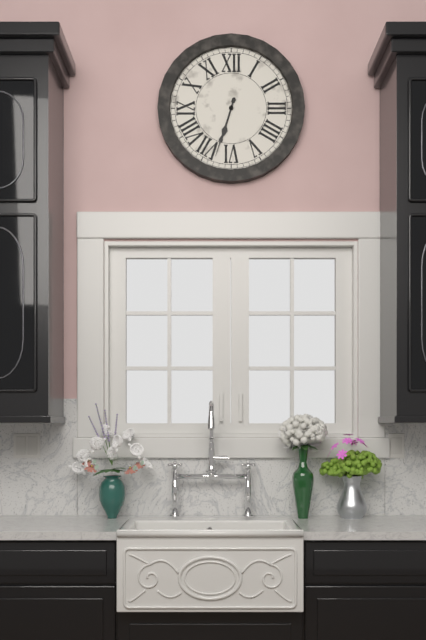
6.33
